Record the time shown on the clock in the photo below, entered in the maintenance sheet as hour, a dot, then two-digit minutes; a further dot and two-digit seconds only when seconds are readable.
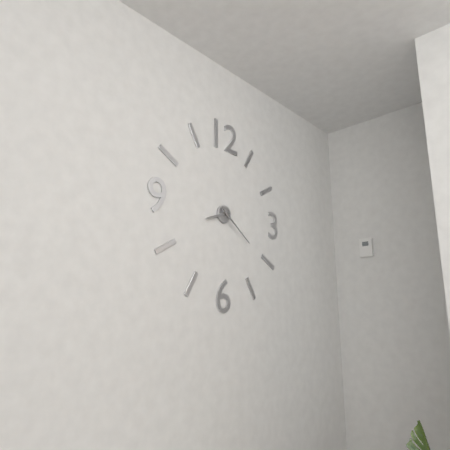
8.21
